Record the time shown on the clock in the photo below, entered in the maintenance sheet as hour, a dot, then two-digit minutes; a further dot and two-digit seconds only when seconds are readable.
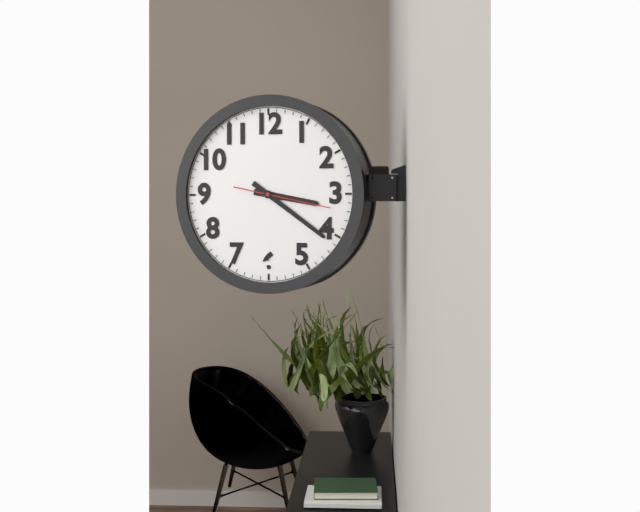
3.21.17
